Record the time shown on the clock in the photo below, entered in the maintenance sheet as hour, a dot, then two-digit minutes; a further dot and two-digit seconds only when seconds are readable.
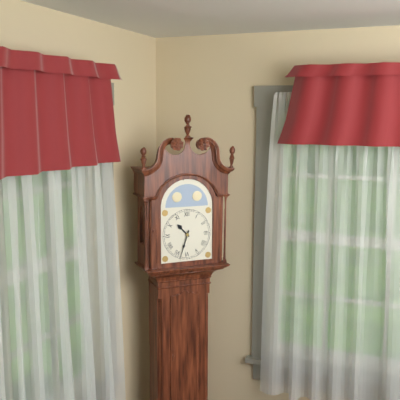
10.33
